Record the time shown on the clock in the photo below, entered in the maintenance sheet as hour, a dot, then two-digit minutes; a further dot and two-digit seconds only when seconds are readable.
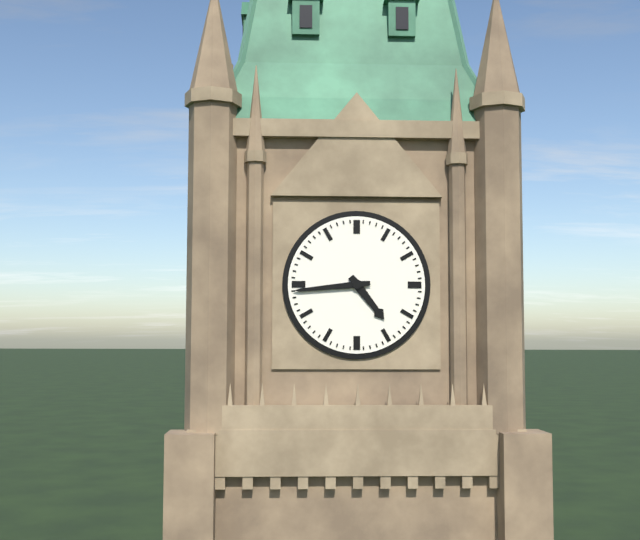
4.44
